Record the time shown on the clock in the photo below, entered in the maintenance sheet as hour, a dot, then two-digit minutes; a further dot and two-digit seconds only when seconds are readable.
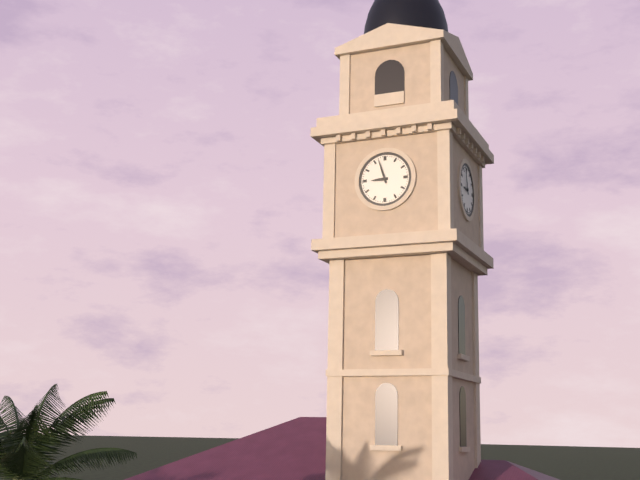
8.57
